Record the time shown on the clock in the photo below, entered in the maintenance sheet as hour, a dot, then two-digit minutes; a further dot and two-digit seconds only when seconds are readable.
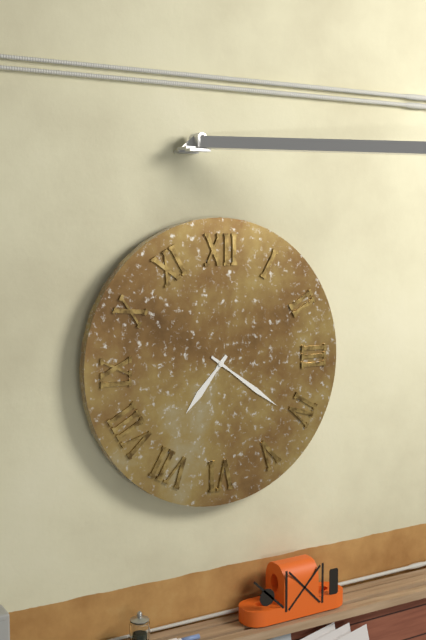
7.21
